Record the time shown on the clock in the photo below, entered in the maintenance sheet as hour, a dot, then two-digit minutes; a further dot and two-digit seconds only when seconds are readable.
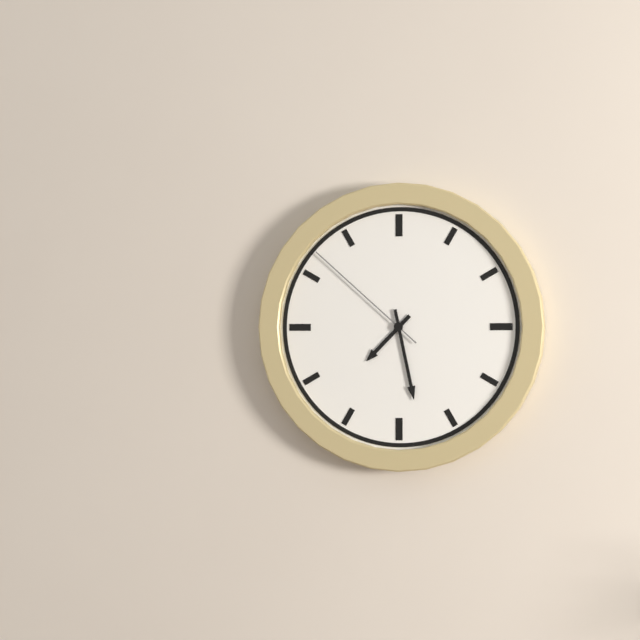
7.28.52
